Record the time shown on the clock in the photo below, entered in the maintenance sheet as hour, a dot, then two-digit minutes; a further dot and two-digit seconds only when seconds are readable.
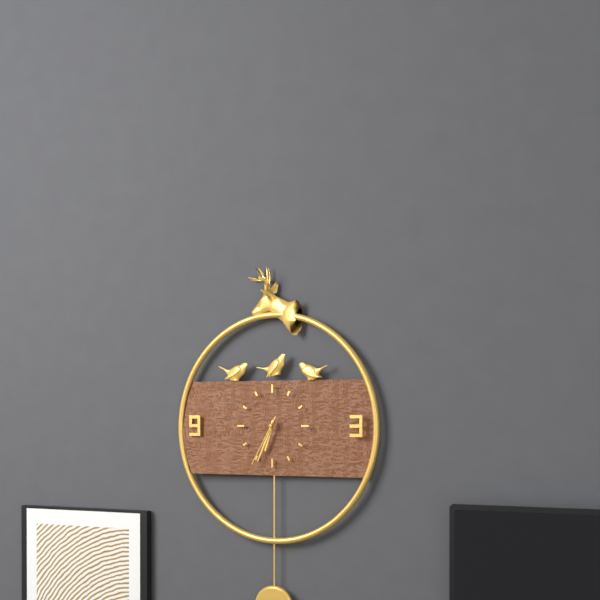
6.34.35
